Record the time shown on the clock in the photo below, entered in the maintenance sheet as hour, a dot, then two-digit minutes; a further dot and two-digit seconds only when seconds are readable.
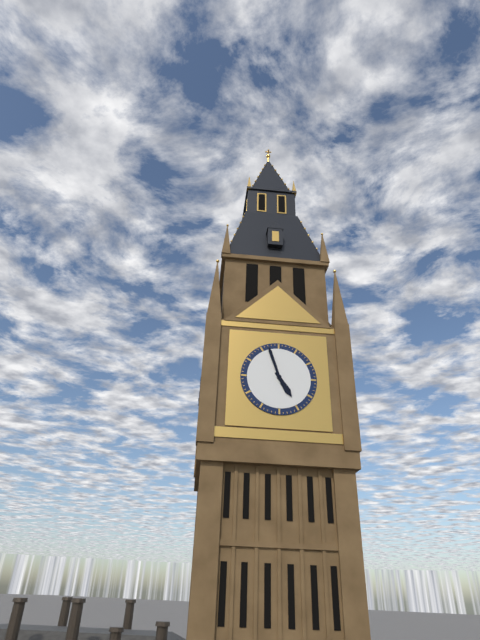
4.57
